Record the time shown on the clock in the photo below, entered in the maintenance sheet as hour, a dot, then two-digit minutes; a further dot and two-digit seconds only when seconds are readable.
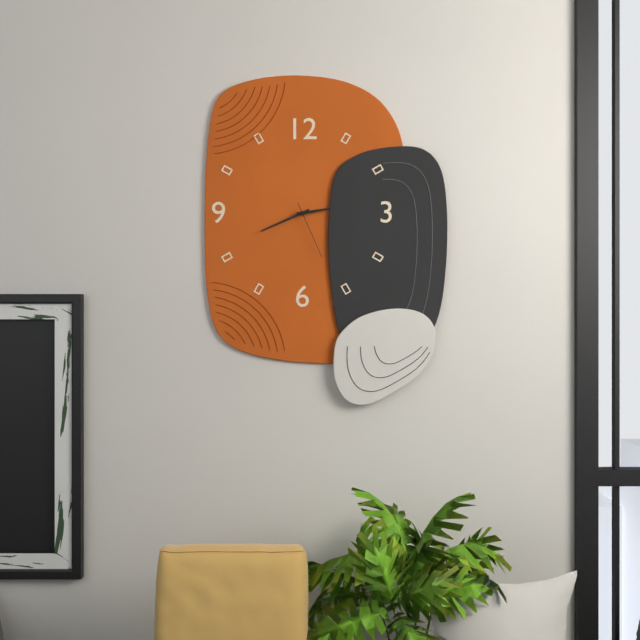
2.41.26
